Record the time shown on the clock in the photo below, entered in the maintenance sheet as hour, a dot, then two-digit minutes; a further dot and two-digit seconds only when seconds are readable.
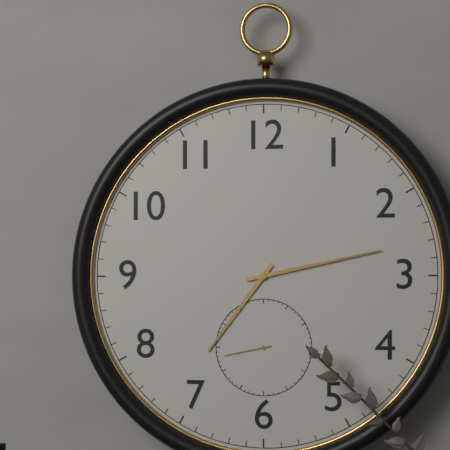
7.13.43
